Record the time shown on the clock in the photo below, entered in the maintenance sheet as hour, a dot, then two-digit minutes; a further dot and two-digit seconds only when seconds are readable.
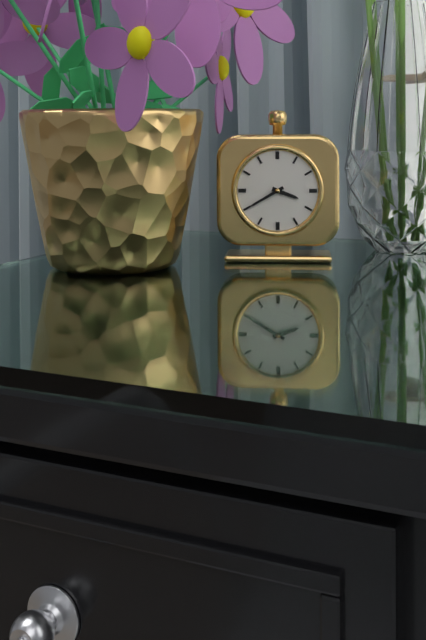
3.40
